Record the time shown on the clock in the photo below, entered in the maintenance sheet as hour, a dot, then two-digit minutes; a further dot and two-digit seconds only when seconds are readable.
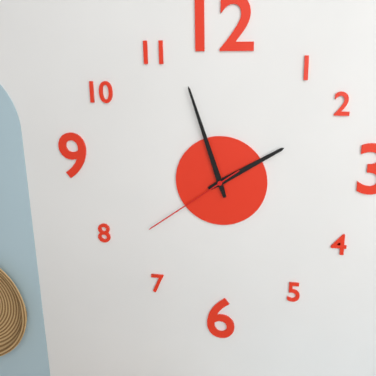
1.57.39
